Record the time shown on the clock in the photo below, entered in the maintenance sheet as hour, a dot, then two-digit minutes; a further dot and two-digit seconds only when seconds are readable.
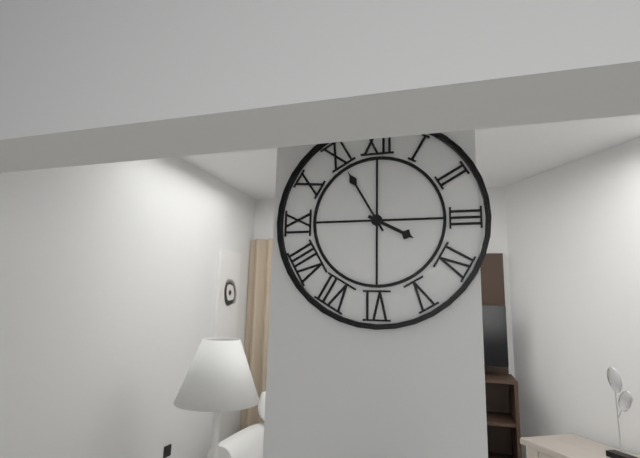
3.55
